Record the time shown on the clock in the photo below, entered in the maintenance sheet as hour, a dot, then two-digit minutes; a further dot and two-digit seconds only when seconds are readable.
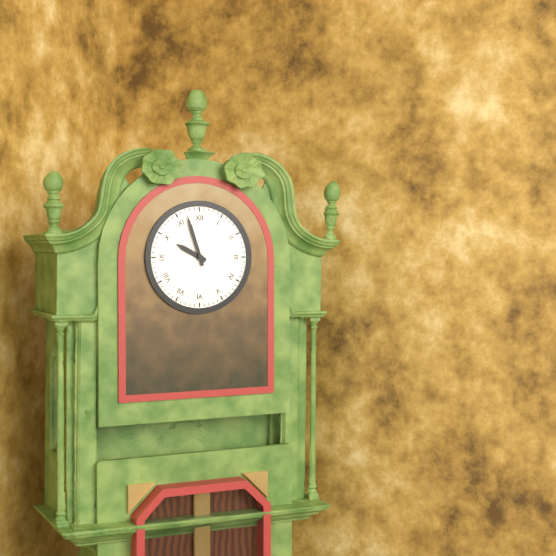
9.57
